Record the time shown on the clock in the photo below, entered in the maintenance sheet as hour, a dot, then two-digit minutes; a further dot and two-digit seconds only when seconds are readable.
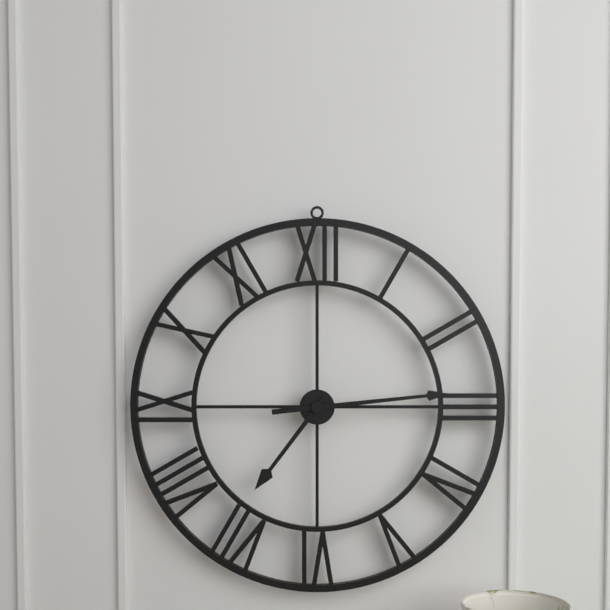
7.14
